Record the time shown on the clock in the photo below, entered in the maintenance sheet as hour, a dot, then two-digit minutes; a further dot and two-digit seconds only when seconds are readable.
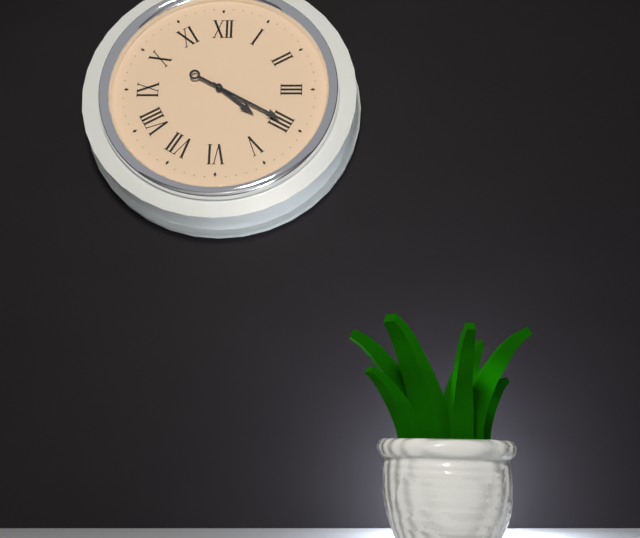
4.20
